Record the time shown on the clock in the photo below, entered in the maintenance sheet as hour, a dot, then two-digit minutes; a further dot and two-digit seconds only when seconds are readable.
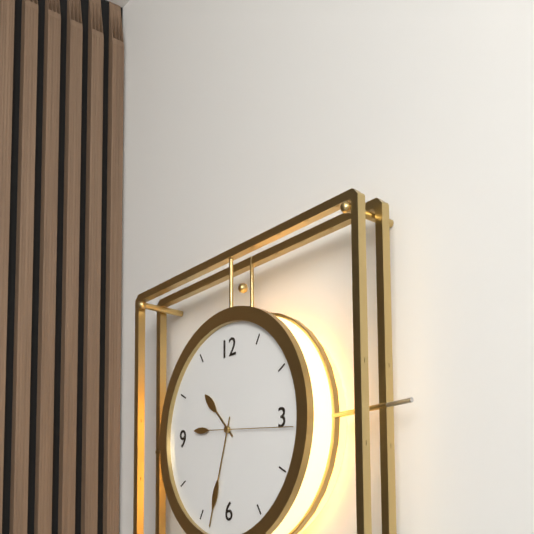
10.33.16
